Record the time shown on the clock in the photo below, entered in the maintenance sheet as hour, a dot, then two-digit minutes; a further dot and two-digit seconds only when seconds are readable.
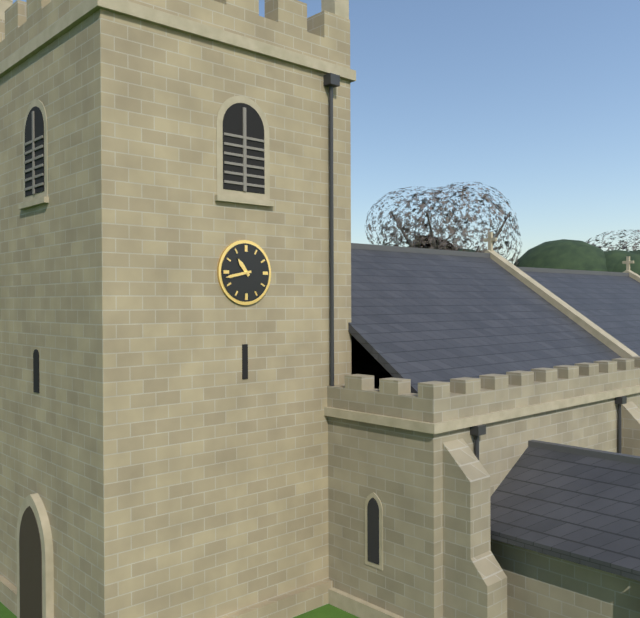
10.43
